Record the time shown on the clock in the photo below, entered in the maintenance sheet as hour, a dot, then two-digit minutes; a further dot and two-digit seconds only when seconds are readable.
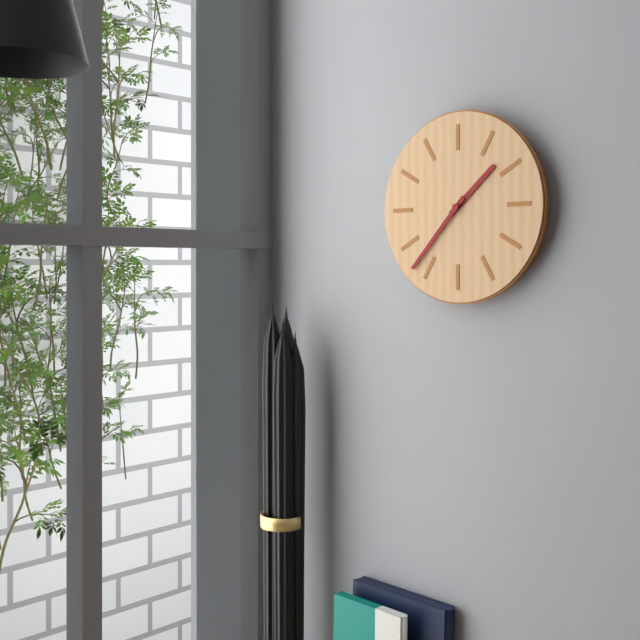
1.37
